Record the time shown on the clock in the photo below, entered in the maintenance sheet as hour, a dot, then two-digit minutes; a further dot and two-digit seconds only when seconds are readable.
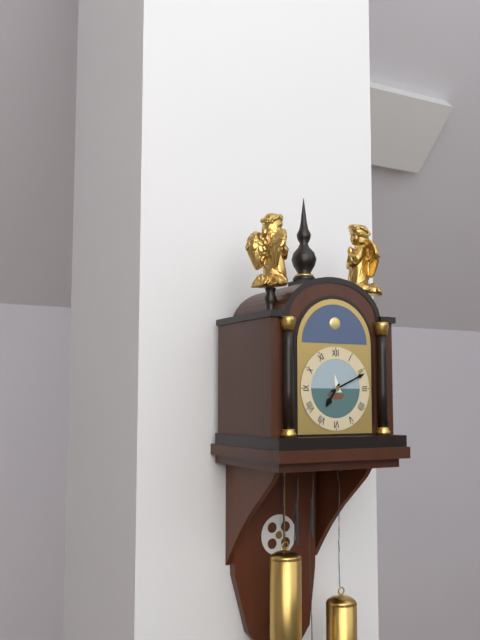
7.11
